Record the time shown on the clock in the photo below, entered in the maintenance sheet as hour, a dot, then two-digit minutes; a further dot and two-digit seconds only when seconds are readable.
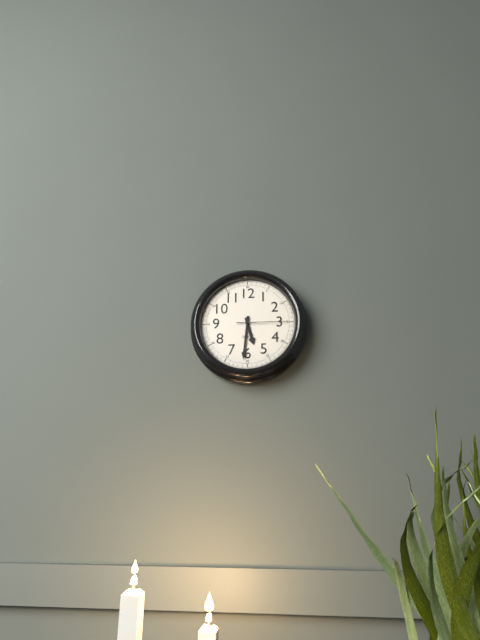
5.31.15
